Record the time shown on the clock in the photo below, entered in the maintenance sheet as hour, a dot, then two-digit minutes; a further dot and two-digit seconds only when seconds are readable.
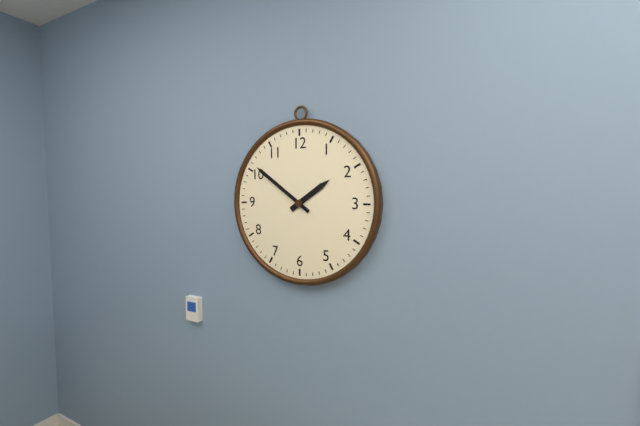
1.51
